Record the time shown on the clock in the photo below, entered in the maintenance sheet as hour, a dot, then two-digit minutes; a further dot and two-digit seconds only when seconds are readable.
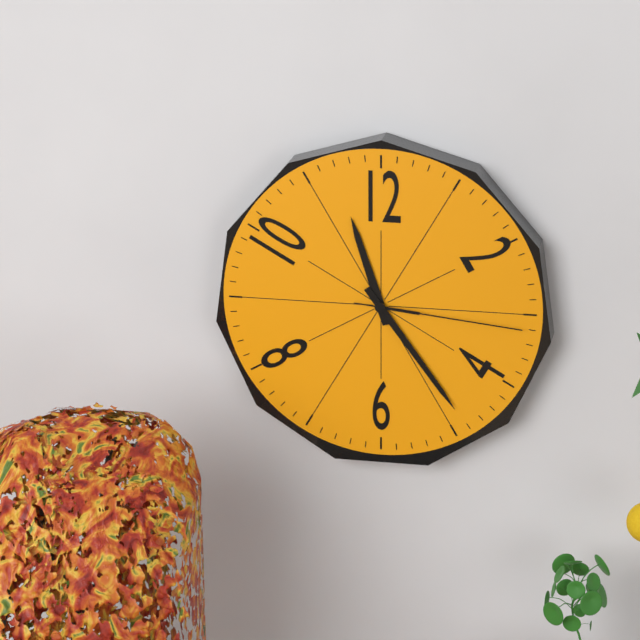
11.24.16
